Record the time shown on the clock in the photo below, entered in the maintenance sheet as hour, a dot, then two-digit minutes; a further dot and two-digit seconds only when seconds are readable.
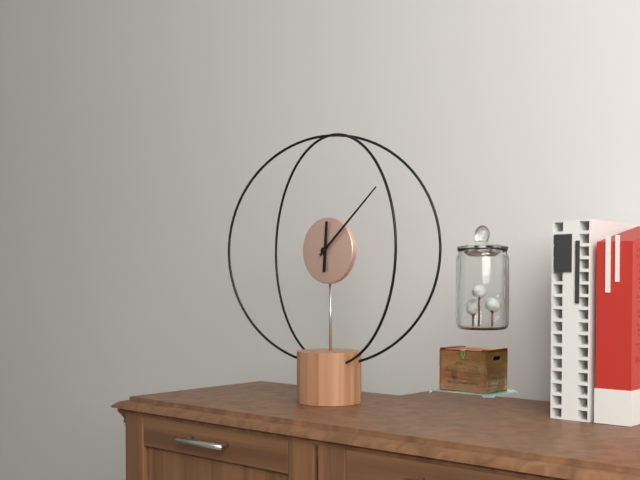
12.08
